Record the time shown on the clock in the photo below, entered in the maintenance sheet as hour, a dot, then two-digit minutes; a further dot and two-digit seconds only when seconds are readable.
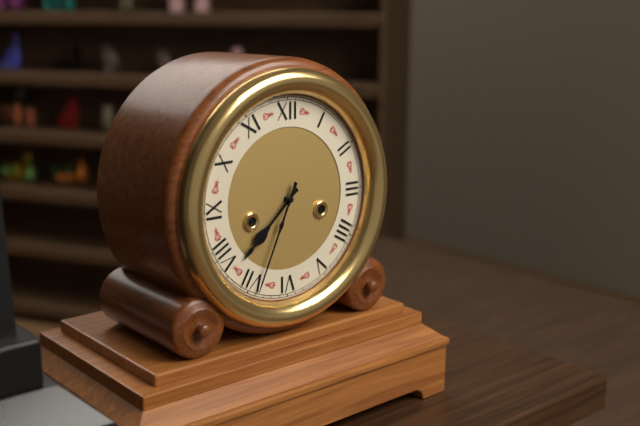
7.34
